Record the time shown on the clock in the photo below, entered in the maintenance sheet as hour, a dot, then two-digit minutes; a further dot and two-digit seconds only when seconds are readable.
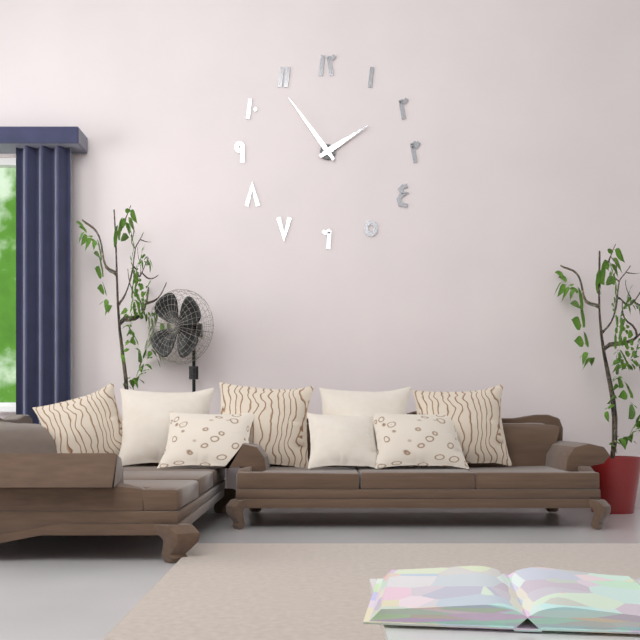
1.54
